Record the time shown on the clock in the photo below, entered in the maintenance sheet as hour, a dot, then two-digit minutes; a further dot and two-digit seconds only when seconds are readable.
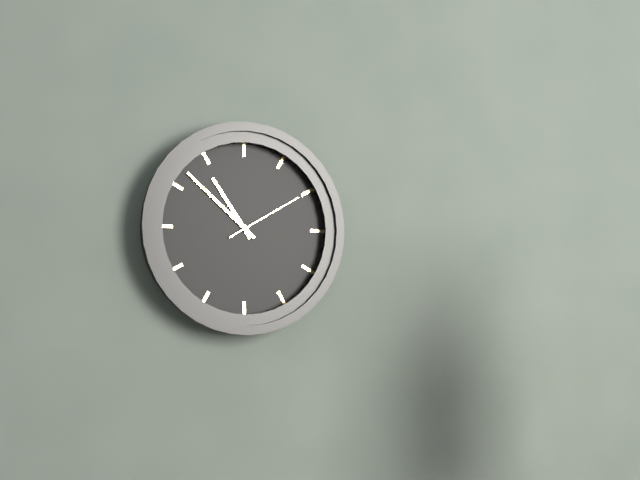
10.52.10
